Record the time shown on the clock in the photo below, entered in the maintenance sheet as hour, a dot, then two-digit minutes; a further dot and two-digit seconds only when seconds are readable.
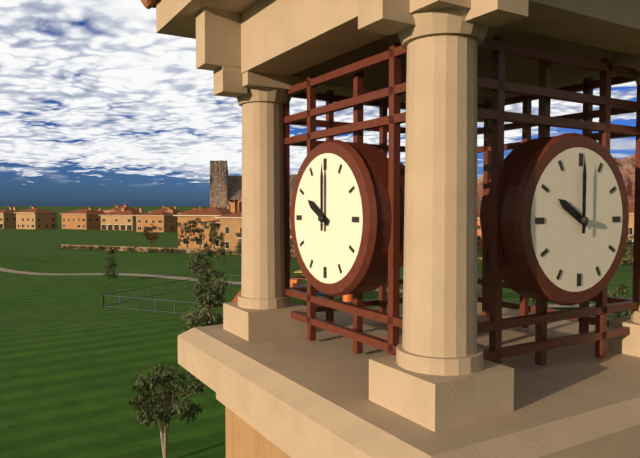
10.00
